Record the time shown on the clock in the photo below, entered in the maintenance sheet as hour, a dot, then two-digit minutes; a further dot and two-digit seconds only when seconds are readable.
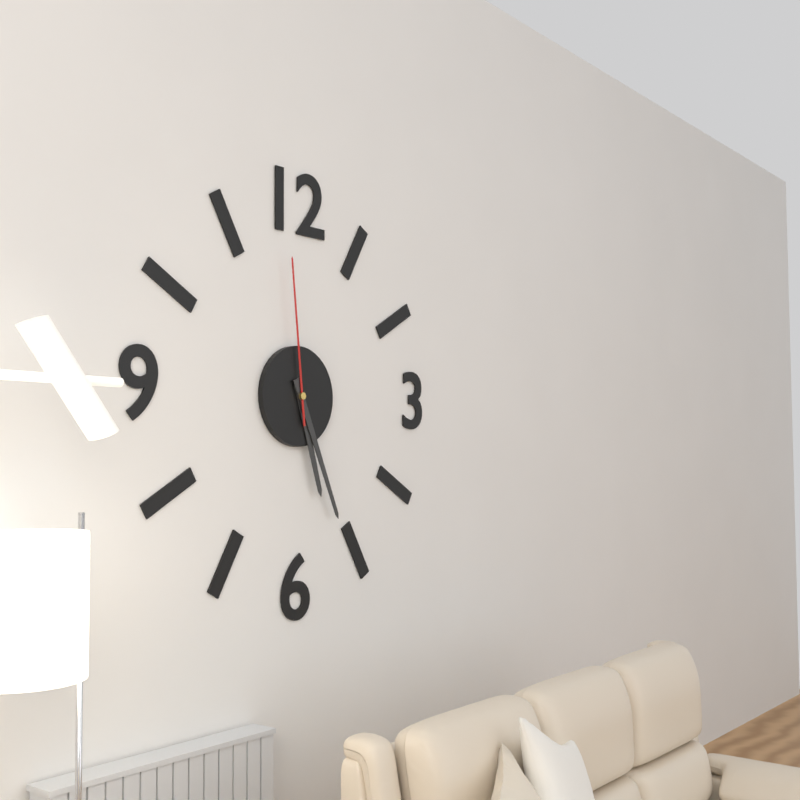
5.26.59
